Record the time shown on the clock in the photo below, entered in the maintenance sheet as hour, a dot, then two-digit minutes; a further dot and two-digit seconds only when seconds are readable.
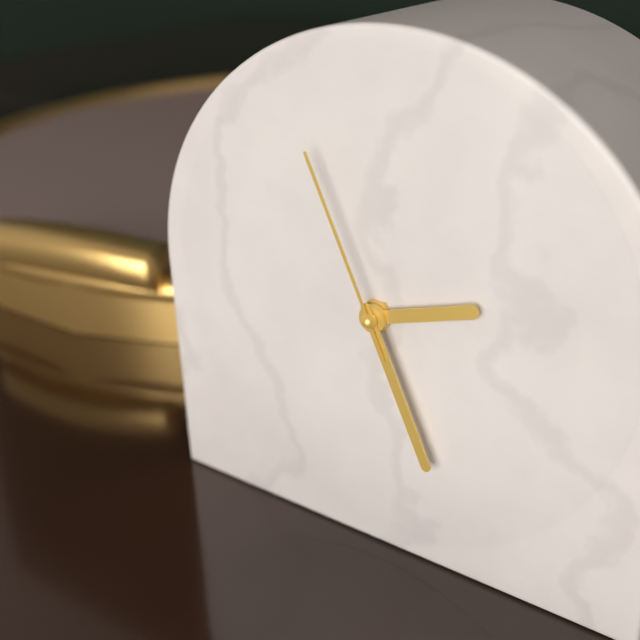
2.26.56
